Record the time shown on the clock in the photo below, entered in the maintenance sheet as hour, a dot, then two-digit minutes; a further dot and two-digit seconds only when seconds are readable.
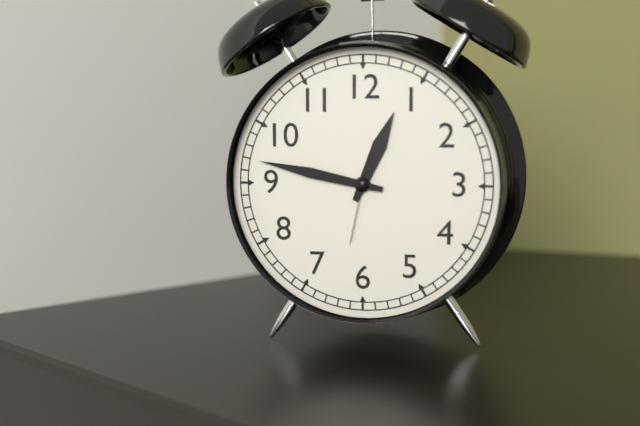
12.47
